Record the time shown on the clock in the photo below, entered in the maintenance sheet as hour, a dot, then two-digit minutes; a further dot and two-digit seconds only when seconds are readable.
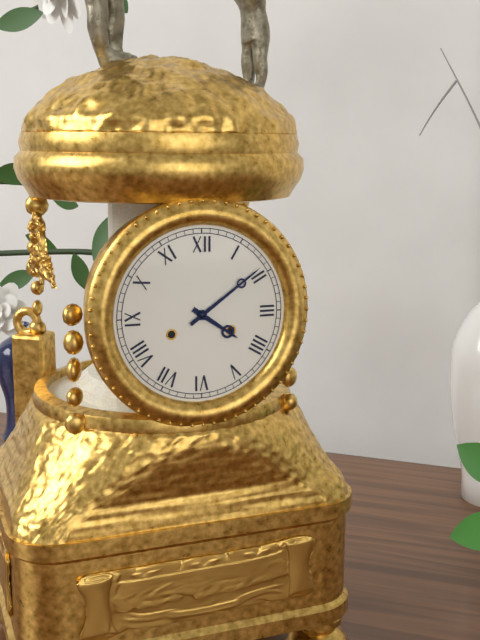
4.09
